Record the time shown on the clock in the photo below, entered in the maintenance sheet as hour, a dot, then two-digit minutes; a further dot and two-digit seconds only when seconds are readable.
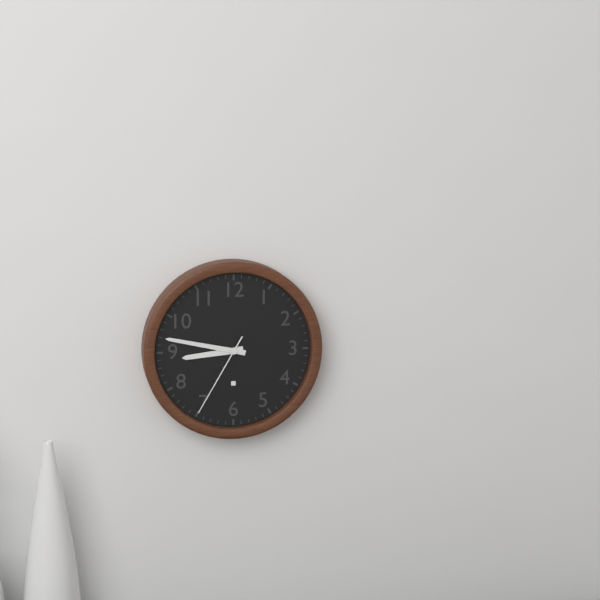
8.47.35
